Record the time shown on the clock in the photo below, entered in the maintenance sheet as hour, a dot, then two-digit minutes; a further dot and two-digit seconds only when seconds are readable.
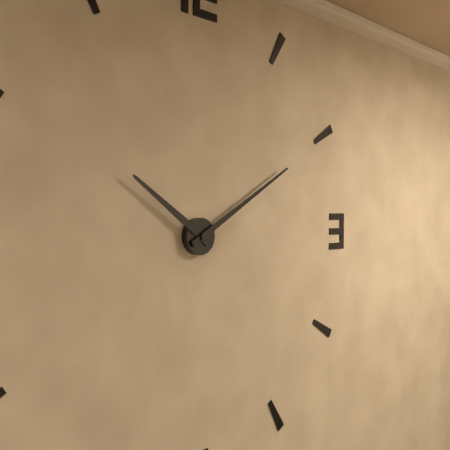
10.10
